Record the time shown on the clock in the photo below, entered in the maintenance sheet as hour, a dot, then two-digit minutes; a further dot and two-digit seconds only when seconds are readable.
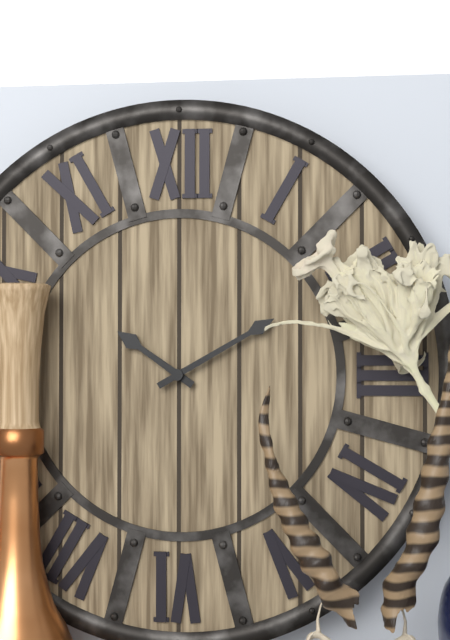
10.10
